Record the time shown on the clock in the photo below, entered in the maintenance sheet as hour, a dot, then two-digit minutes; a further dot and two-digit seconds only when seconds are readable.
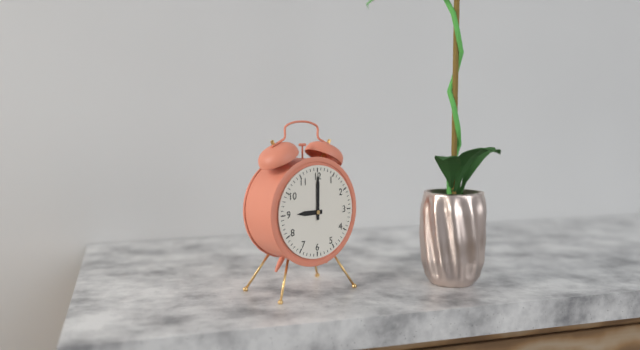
9.00
